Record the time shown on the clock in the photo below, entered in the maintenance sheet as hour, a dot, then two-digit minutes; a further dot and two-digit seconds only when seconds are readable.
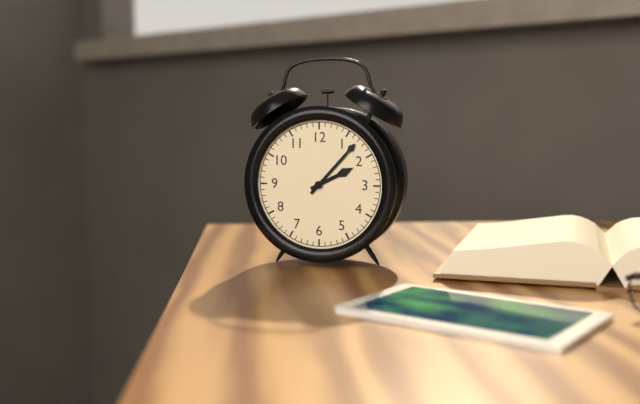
2.07
